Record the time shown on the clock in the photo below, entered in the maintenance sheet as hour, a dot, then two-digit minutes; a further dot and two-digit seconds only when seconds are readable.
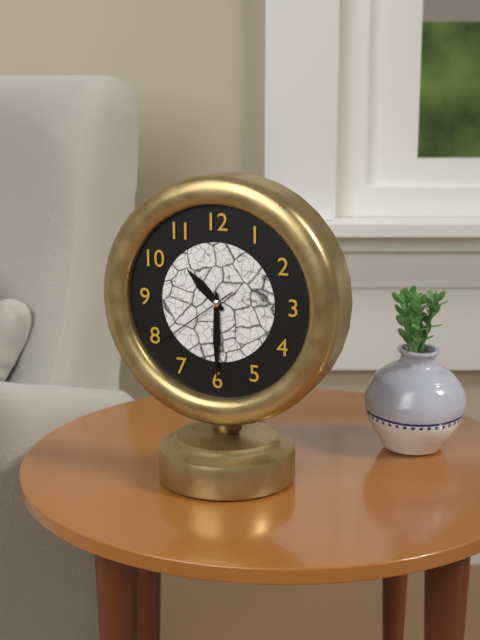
10.30.39
